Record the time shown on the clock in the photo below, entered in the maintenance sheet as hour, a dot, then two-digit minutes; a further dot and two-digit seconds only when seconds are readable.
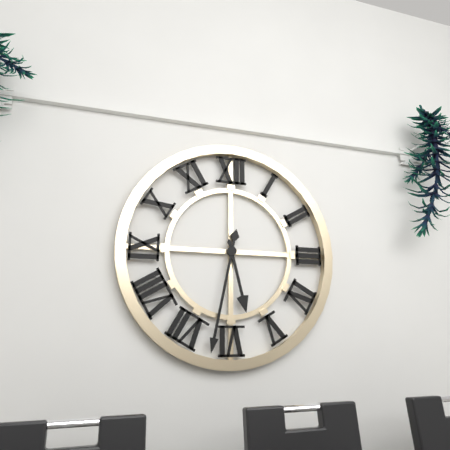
5.32
